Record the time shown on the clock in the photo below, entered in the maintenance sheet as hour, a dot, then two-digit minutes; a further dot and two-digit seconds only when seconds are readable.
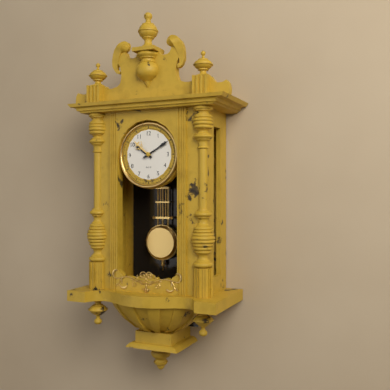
10.10
